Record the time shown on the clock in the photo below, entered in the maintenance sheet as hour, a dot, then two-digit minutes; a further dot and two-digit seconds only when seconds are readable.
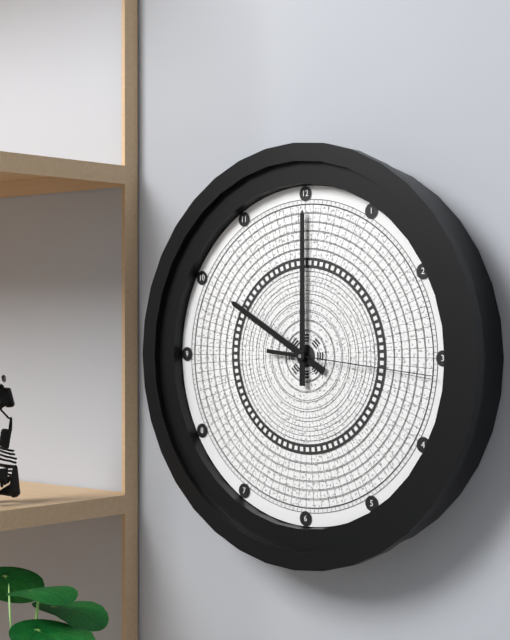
10.00.16
